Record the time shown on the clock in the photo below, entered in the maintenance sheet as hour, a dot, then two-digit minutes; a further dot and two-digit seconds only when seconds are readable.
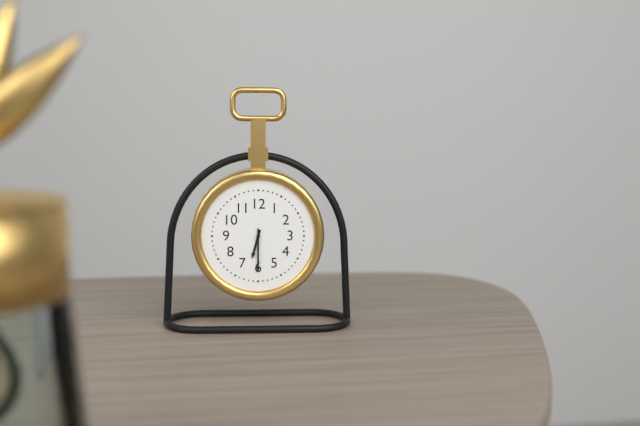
6.30
